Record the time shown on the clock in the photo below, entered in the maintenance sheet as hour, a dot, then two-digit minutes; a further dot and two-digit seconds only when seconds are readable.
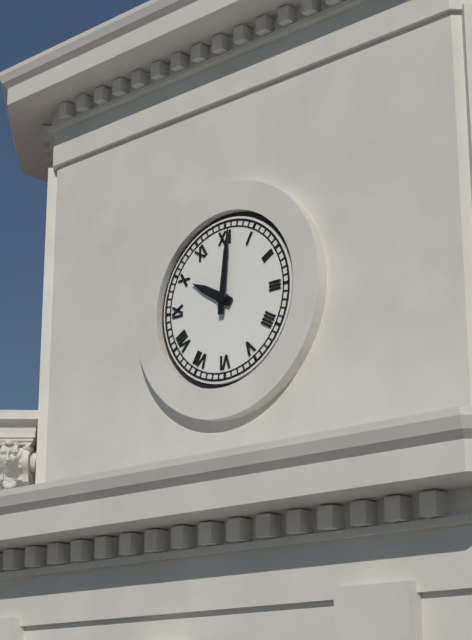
10.01
